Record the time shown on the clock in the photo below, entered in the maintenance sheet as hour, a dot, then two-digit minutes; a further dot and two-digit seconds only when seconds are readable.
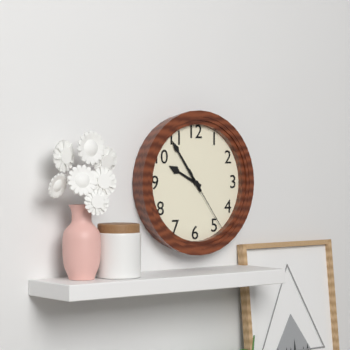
9.54.24
